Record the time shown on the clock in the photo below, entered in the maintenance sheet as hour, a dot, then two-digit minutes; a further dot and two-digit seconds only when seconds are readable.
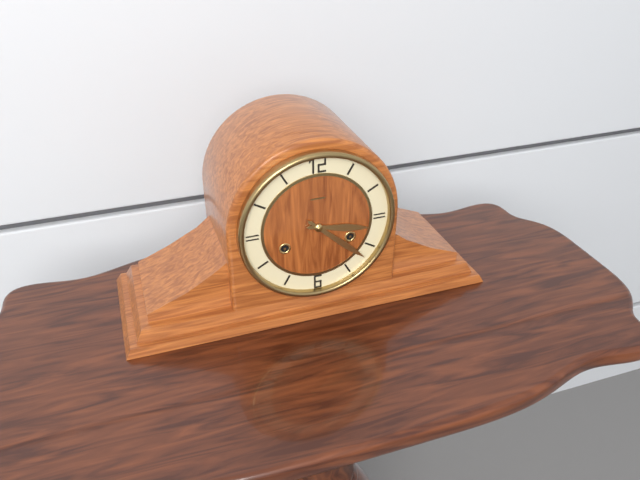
3.22
